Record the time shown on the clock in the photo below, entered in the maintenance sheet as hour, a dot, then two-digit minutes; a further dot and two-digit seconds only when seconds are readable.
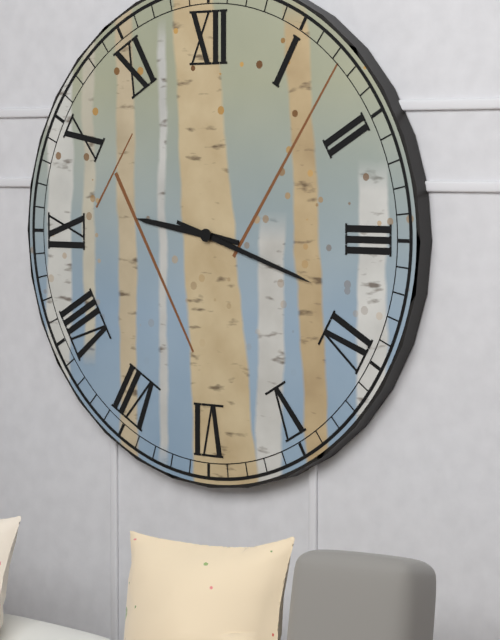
9.18
